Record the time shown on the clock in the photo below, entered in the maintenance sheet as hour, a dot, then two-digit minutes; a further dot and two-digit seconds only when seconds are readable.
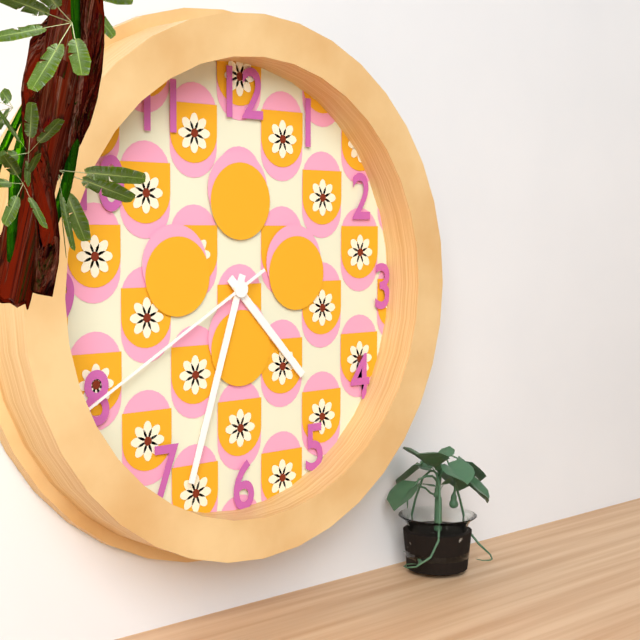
4.33.40
